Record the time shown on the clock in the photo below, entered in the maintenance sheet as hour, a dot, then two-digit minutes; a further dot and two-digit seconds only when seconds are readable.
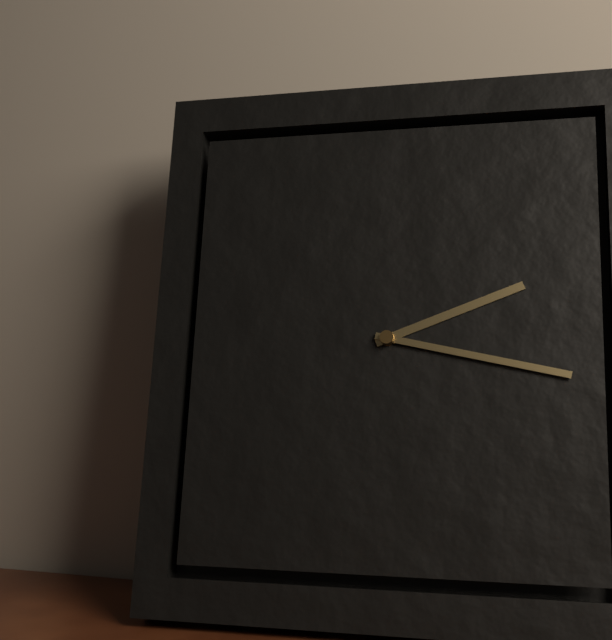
2.17
